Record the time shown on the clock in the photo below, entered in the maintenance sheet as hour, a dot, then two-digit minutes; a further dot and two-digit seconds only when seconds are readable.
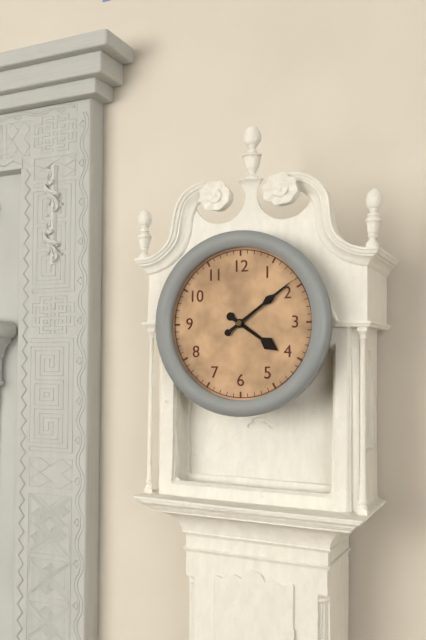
4.09
